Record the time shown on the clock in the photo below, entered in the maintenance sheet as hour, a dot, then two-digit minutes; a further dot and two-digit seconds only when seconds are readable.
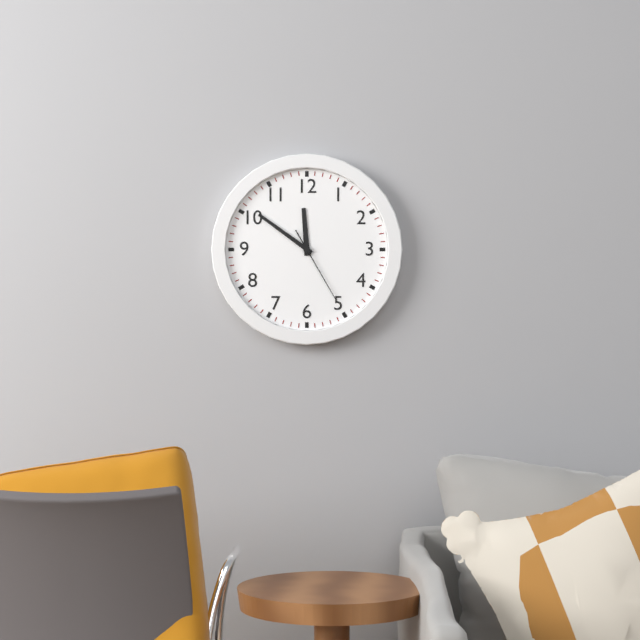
11.51.25
